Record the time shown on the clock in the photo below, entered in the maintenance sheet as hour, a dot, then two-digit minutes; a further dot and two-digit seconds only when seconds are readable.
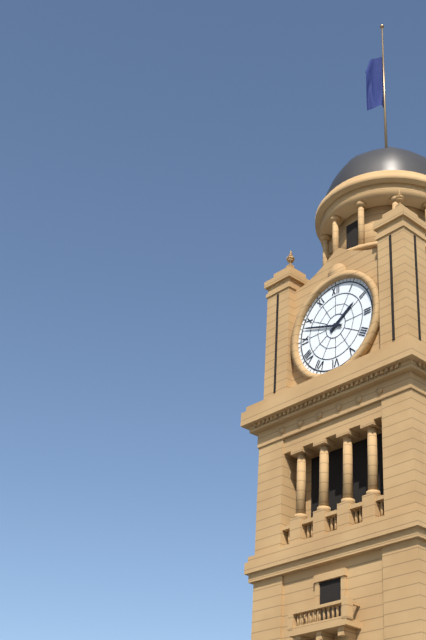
1.48
